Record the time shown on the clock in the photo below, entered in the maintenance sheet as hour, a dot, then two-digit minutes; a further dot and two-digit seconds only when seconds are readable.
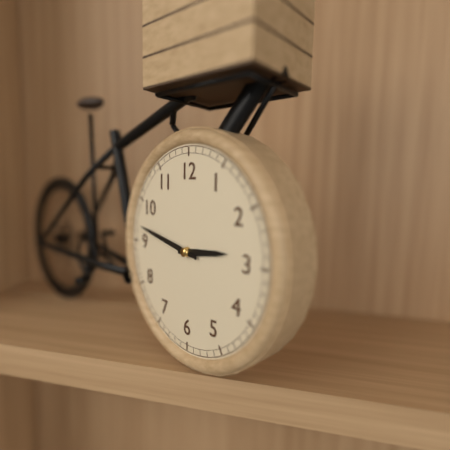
2.47
